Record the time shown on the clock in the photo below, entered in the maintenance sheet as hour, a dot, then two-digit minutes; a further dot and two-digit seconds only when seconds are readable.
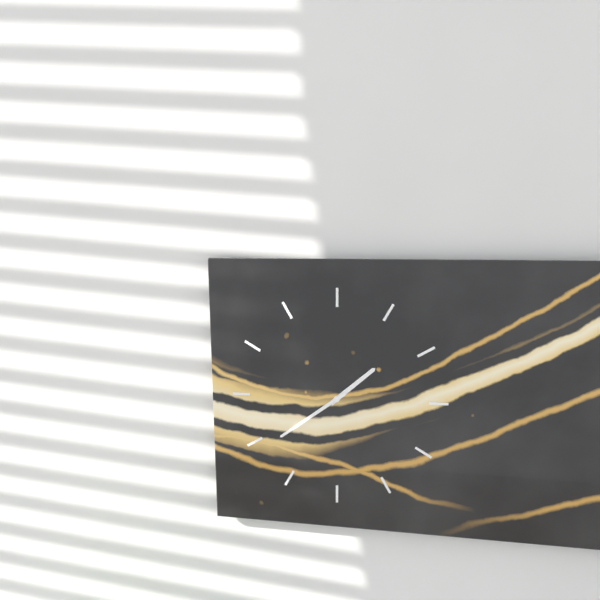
1.39
